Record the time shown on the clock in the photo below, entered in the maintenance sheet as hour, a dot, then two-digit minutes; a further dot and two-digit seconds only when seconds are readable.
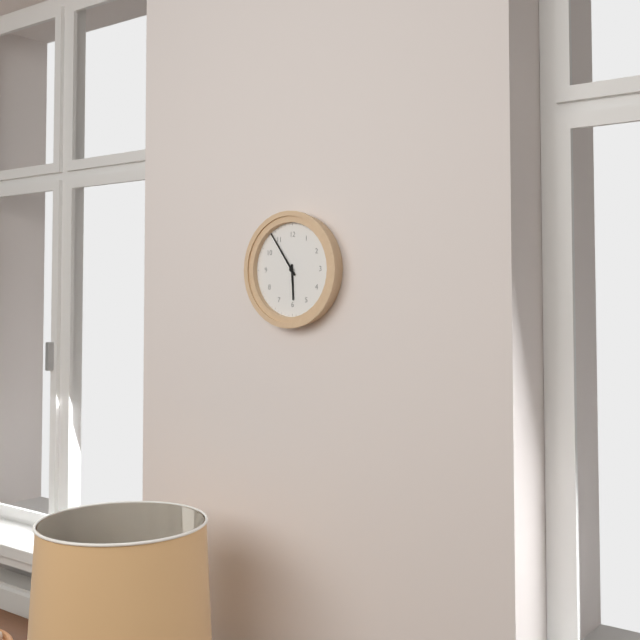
5.54
